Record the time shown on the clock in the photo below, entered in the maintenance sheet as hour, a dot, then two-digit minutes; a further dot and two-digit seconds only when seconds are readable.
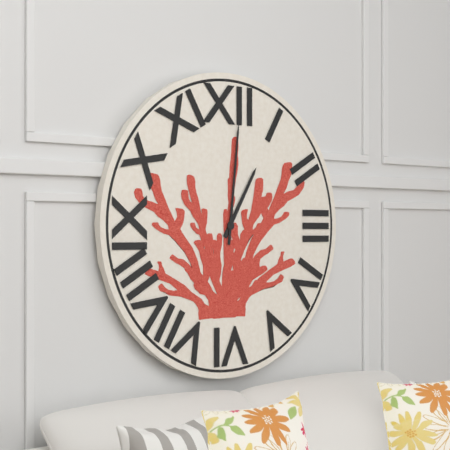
1.01
